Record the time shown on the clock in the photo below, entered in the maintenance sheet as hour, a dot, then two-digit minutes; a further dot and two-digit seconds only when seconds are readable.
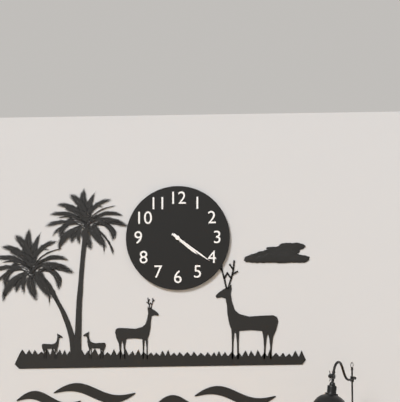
4.21
